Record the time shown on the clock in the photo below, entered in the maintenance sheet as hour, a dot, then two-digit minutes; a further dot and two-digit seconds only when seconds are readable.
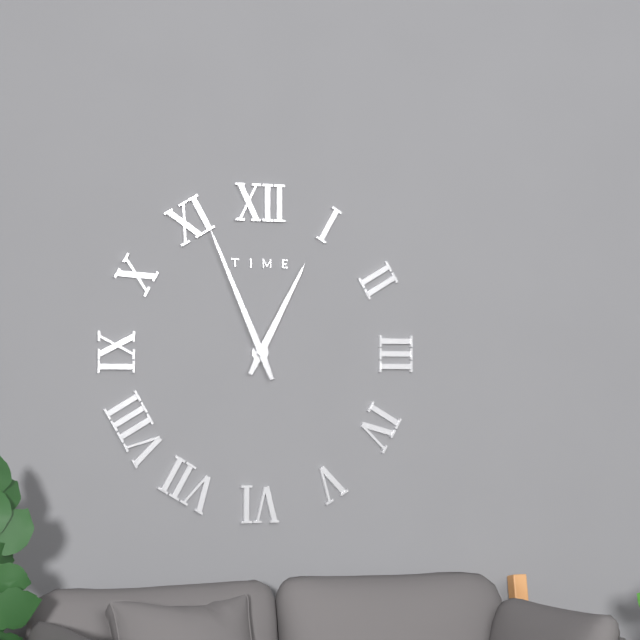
12.56
